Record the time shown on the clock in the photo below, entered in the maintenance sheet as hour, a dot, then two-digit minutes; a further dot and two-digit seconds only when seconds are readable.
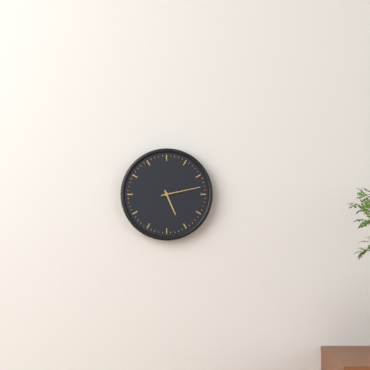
5.13
